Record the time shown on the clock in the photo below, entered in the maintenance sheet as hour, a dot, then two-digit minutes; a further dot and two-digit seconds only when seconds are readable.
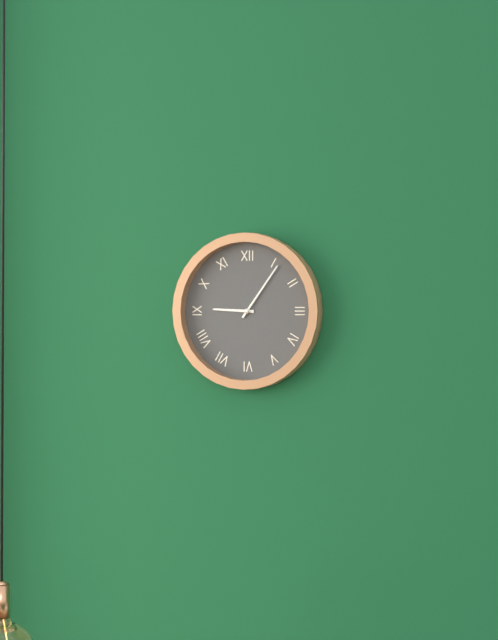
9.06
